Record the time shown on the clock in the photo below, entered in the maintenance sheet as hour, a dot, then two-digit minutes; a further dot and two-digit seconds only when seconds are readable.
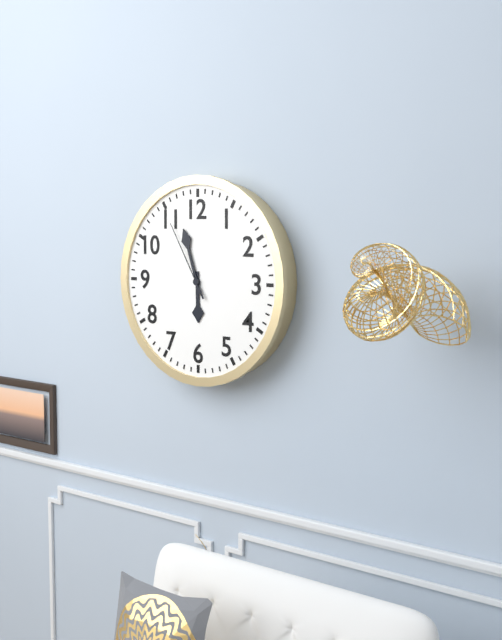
5.57.55
